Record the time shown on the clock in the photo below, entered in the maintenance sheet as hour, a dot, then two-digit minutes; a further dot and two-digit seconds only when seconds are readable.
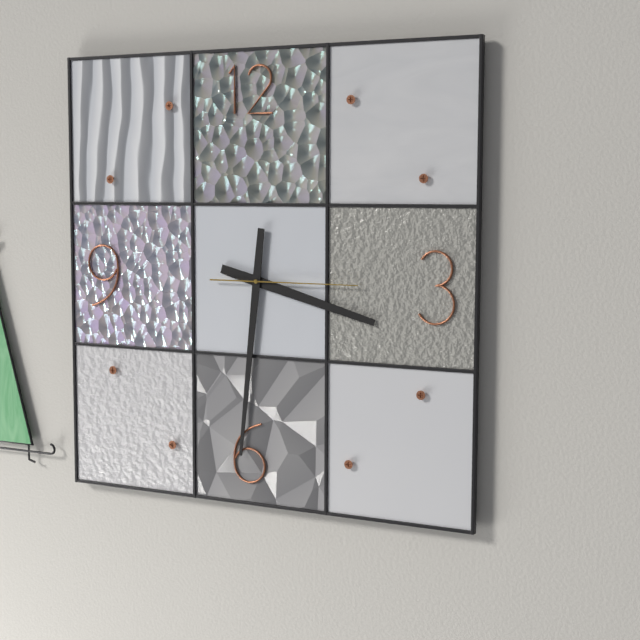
3.31.15
